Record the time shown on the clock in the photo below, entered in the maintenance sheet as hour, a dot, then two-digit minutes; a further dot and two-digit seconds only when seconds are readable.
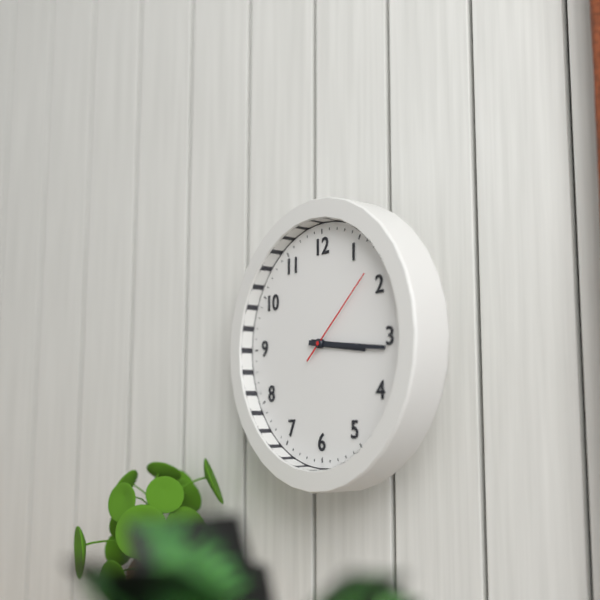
3.16.08
